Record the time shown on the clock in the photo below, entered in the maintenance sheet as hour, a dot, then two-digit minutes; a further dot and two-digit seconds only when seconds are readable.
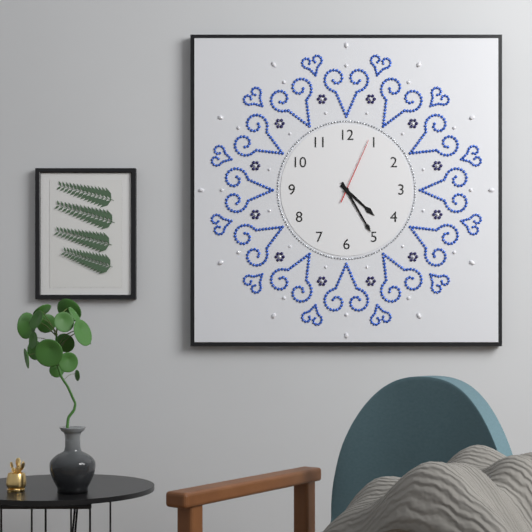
4.25.04
